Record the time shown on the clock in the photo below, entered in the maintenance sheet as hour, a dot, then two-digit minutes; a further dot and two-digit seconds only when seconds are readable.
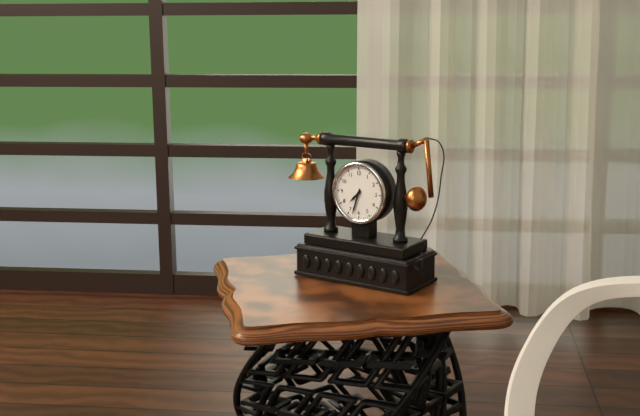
7.33
